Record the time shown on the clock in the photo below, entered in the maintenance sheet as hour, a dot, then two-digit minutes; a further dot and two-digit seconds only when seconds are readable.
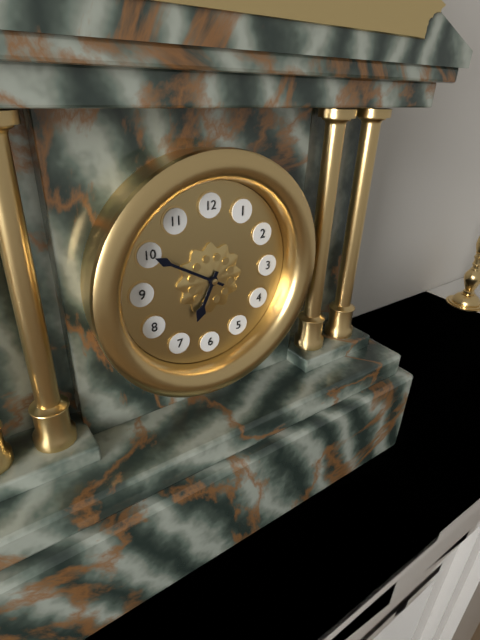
6.50
